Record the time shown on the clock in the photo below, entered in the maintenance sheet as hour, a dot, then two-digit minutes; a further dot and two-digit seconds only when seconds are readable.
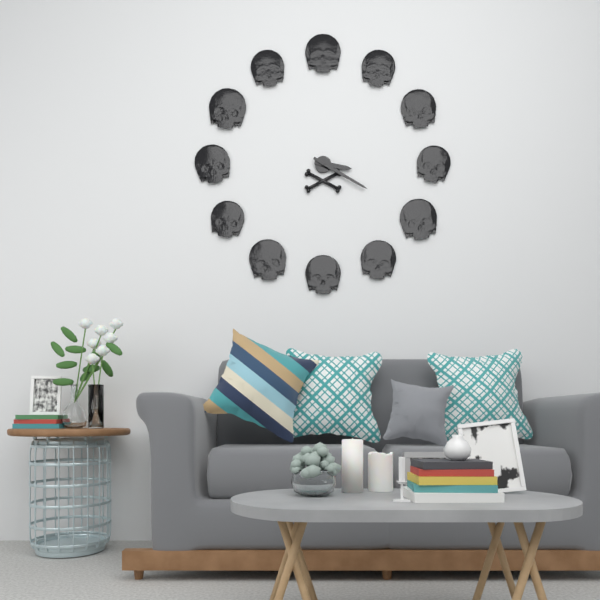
3.20
